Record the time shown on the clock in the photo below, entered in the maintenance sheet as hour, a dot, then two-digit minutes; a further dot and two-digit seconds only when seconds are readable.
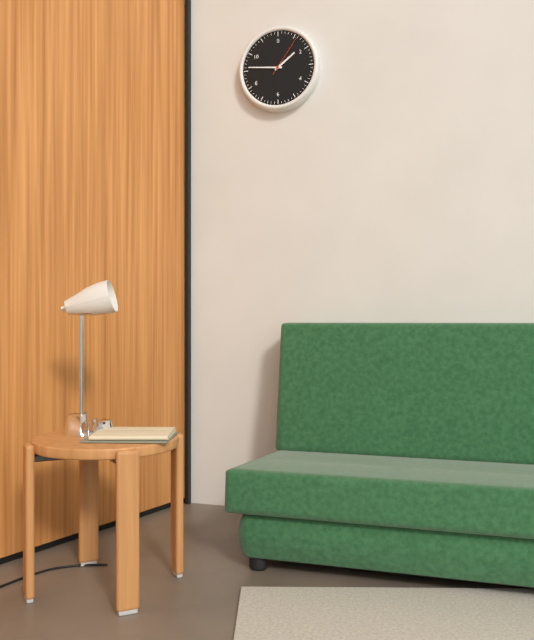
1.46
